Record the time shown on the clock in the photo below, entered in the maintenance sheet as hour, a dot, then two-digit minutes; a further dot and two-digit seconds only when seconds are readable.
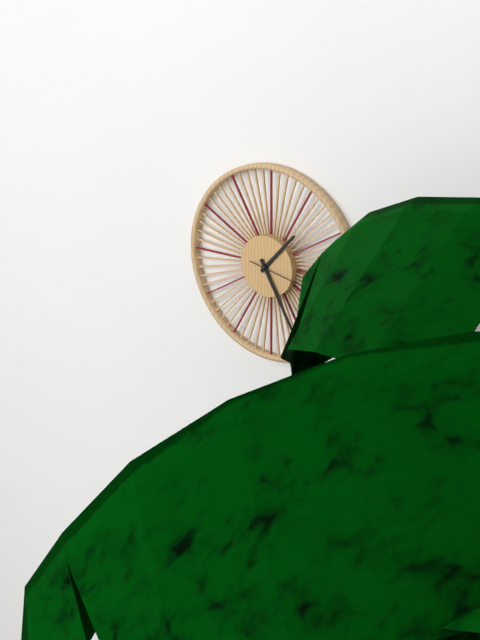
1.25.17
